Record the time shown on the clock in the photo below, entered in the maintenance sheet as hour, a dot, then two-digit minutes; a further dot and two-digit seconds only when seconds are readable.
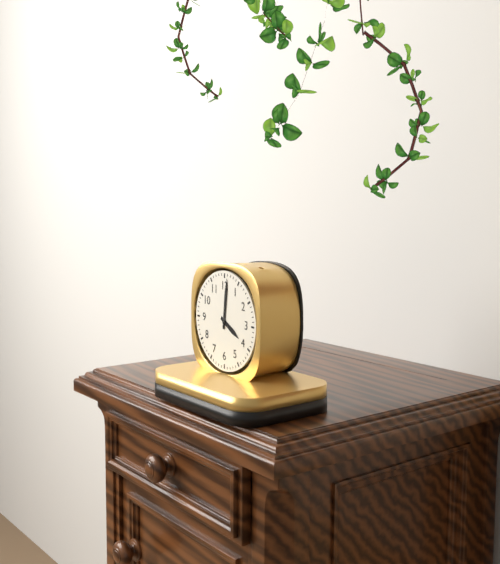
4.01
